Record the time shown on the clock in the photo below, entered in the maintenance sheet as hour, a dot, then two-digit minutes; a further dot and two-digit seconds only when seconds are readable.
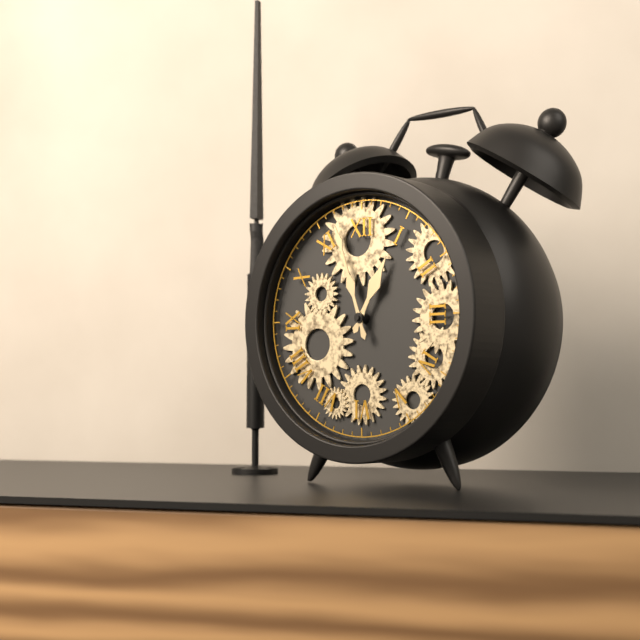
12.57
